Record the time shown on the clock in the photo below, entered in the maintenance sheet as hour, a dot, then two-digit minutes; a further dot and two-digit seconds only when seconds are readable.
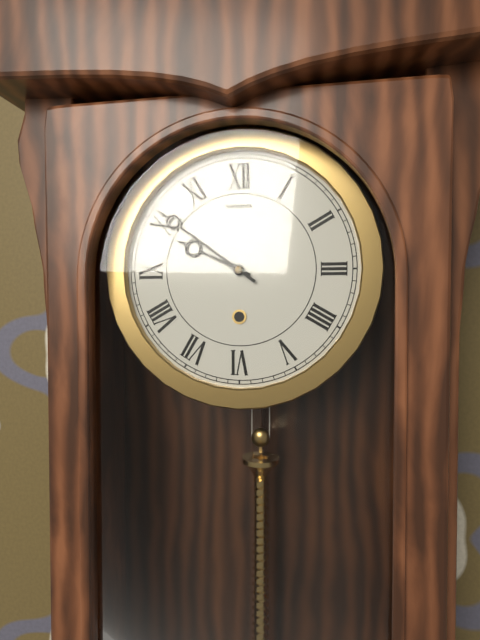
9.51
